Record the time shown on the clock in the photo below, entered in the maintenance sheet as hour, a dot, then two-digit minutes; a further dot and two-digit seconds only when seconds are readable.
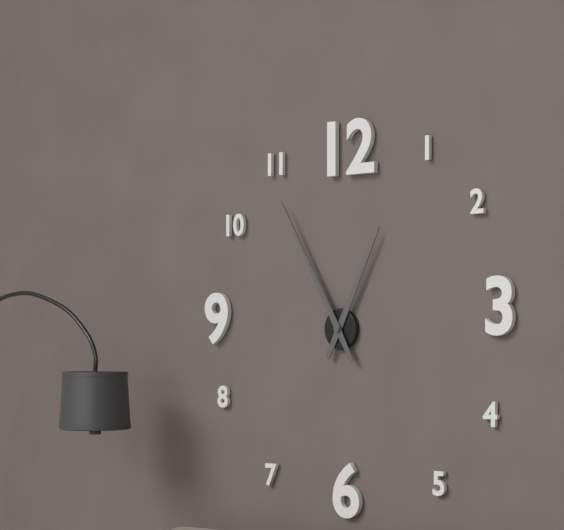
12.55
